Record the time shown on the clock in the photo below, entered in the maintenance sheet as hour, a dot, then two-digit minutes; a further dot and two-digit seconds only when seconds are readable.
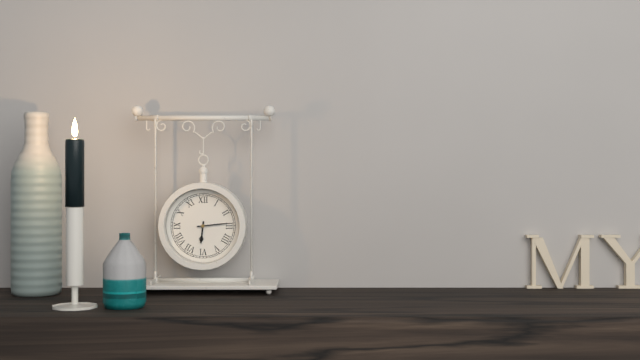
6.14
